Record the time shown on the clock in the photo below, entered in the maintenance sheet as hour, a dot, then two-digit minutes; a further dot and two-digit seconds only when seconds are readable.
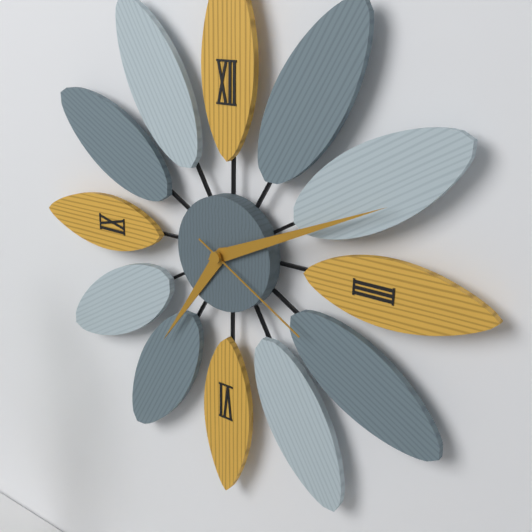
7.11.20
